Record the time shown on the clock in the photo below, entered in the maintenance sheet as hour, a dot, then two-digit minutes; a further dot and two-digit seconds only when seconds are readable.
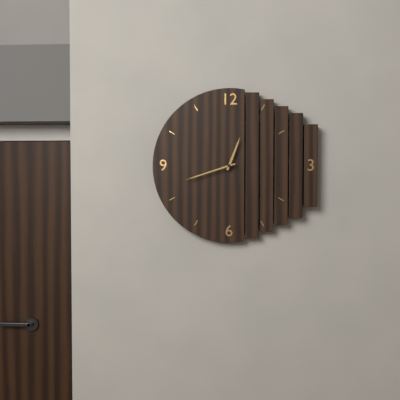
12.42
